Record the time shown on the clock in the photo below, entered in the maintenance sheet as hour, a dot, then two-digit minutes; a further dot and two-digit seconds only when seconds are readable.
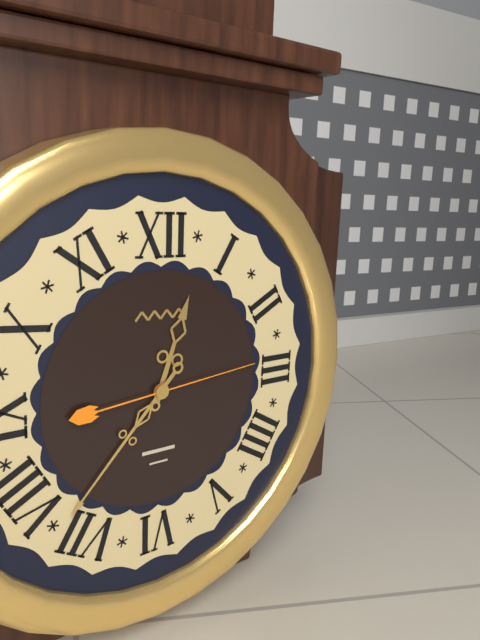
12.37.14
